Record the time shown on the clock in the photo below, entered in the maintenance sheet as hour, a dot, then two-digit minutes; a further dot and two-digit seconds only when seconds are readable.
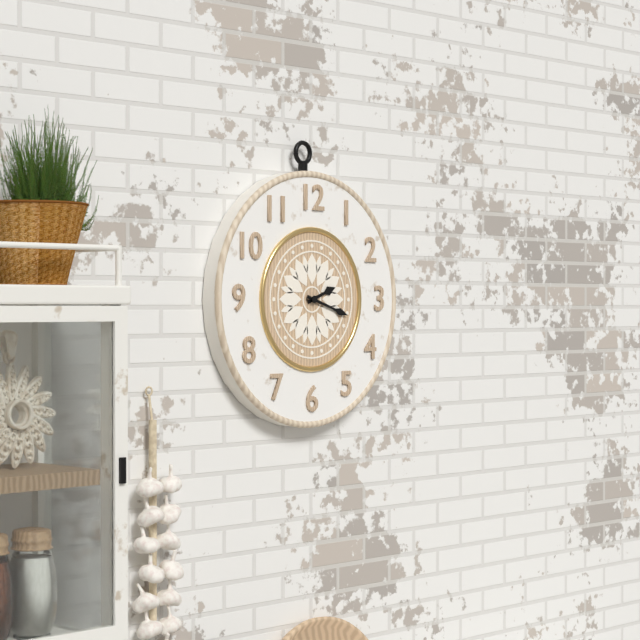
2.18
